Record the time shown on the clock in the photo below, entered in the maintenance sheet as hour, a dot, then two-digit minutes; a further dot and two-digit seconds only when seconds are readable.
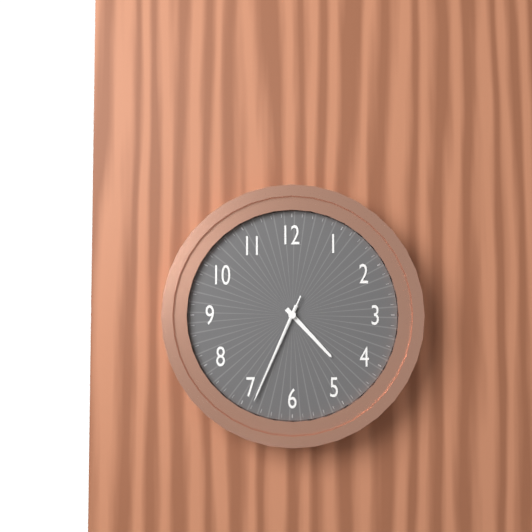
4.34.34
